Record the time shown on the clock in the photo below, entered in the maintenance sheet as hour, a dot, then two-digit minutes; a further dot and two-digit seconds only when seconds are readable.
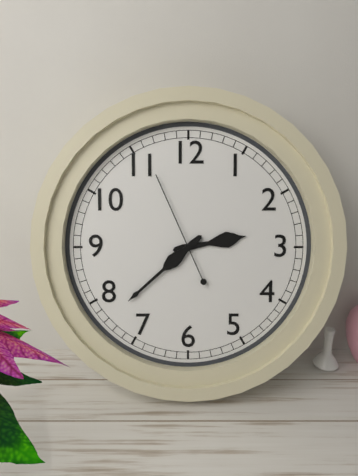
2.38.56
